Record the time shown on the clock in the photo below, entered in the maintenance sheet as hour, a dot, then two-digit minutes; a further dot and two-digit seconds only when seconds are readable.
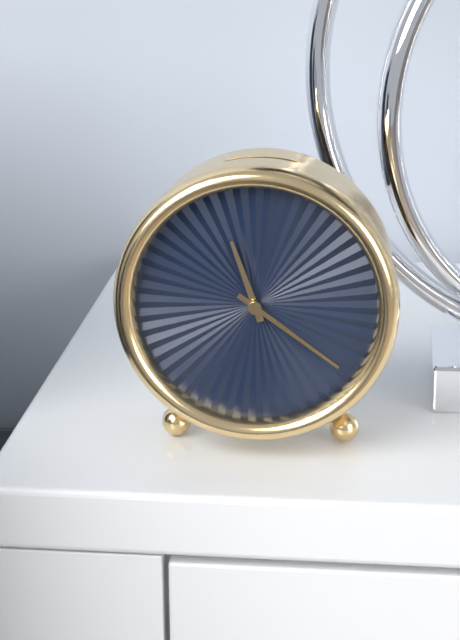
11.21
